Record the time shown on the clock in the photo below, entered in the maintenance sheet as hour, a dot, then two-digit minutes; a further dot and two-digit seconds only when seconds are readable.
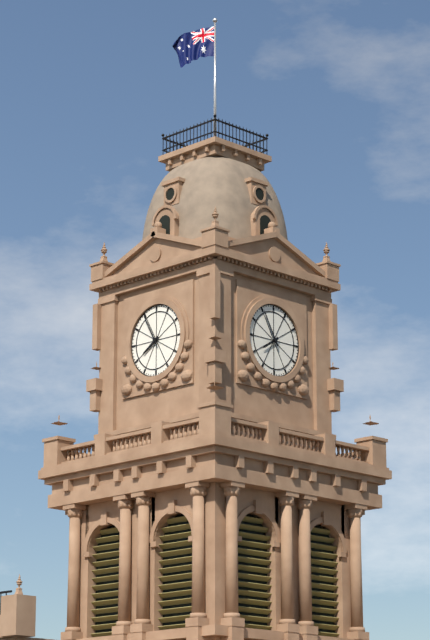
7.55
